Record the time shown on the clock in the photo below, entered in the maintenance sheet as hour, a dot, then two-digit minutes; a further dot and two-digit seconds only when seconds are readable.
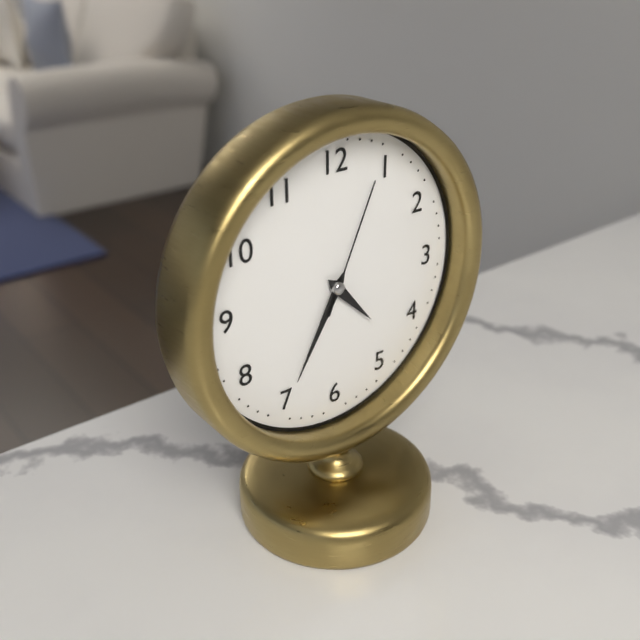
4.35.04
